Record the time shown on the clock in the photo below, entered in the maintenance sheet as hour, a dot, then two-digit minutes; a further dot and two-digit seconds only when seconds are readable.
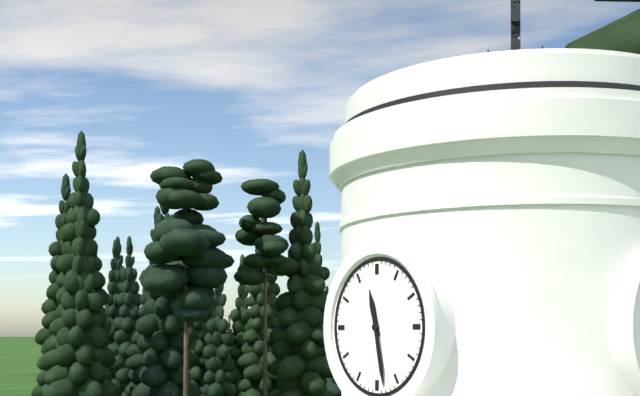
11.28
